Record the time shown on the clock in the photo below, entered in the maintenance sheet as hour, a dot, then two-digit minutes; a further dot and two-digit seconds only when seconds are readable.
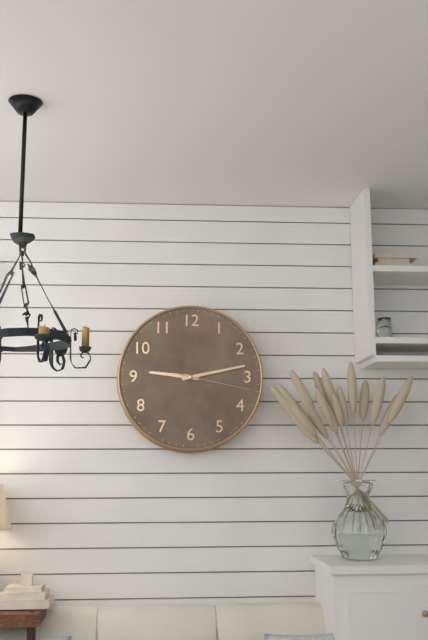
9.13.17
